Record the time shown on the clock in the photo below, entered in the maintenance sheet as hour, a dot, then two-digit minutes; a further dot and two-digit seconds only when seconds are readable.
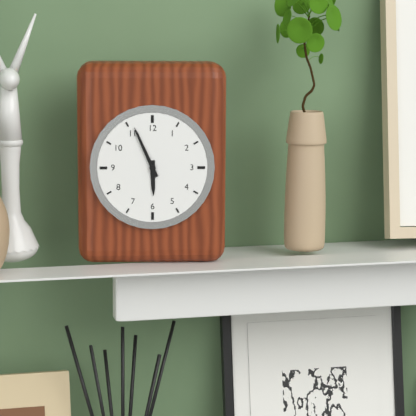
5.56
